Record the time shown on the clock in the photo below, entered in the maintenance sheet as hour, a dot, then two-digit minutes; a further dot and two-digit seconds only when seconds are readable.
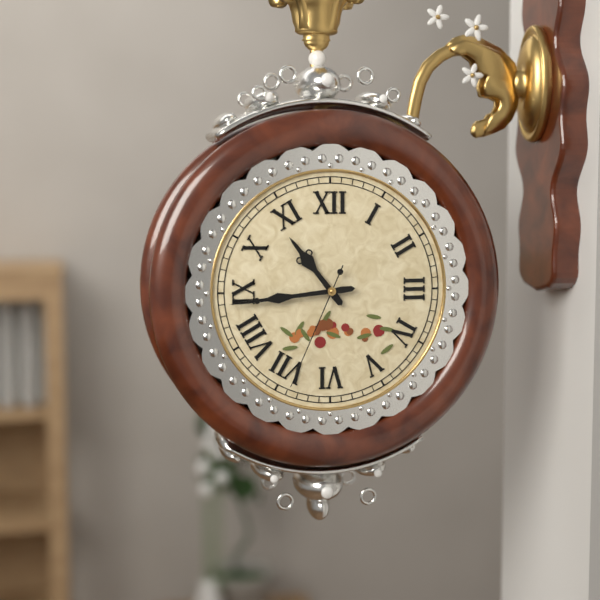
10.44.34
